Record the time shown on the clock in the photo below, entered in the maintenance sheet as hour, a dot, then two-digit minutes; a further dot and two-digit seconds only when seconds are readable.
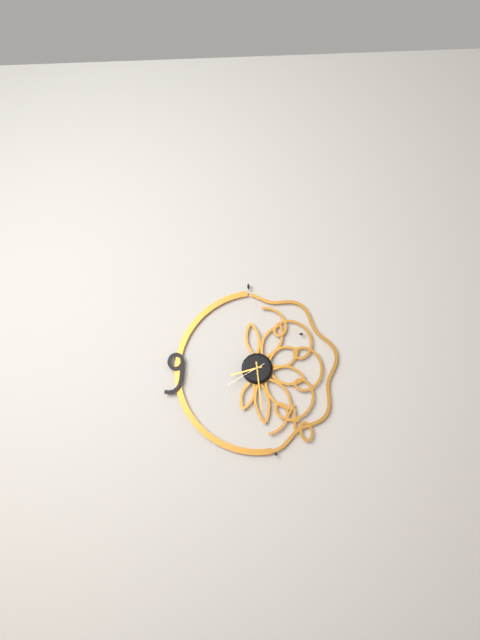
8.29
